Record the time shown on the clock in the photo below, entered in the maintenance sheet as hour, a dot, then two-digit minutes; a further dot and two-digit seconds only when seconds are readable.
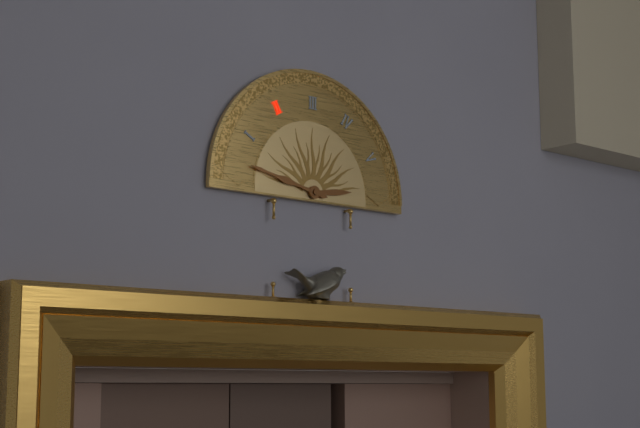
2.47
